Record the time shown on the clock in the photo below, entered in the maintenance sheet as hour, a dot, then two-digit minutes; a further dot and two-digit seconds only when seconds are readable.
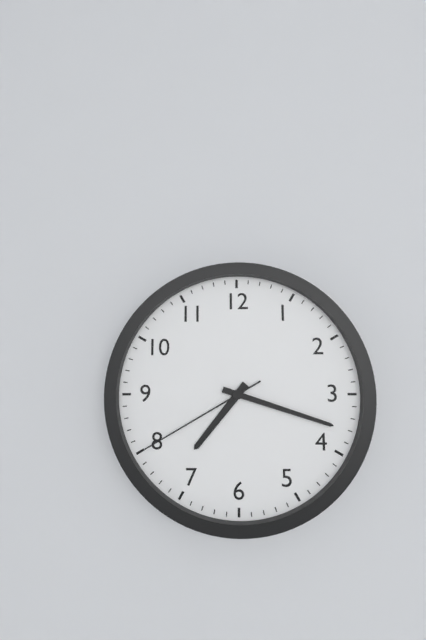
7.18.40
